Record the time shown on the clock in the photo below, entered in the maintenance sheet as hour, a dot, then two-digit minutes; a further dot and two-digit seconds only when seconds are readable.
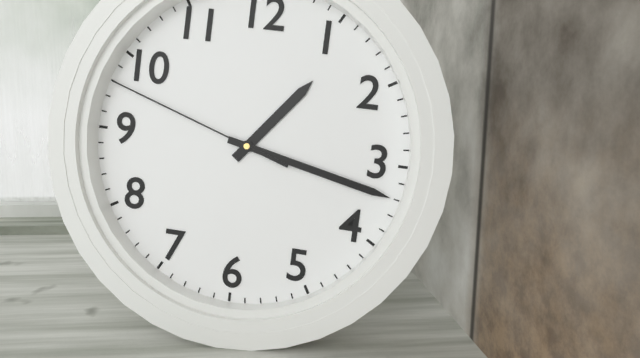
1.17.48
